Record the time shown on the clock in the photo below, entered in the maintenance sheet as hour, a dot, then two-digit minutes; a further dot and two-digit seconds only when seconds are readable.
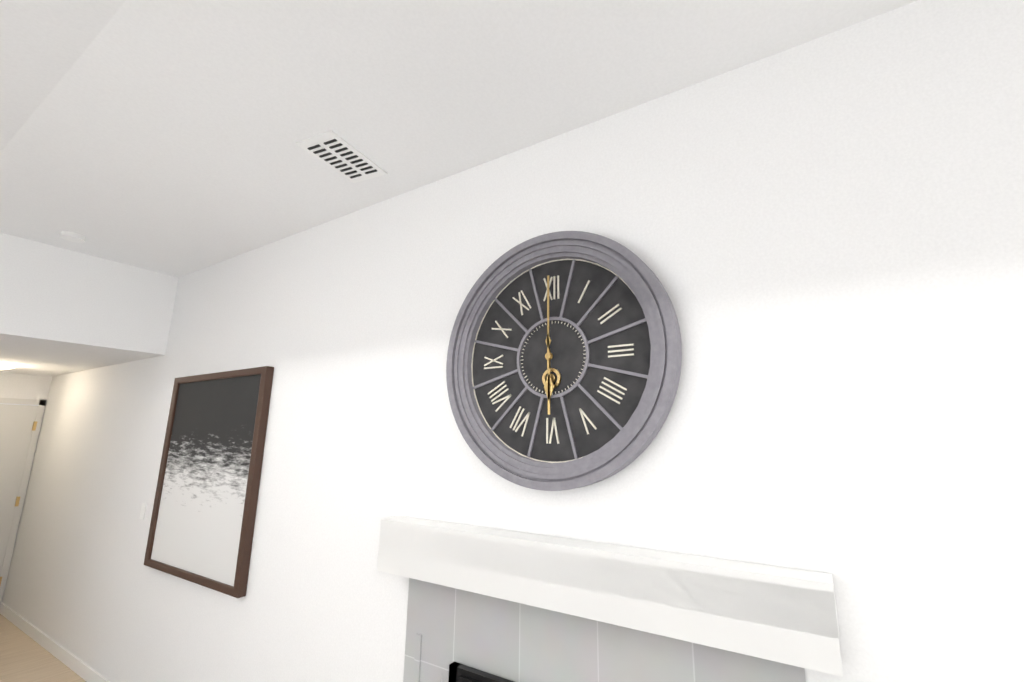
6.00
